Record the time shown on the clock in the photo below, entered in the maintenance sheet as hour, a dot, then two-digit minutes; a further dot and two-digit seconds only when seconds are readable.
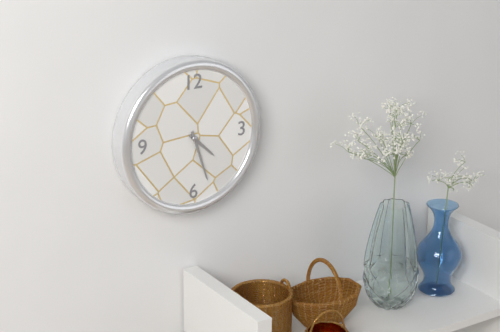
4.27
